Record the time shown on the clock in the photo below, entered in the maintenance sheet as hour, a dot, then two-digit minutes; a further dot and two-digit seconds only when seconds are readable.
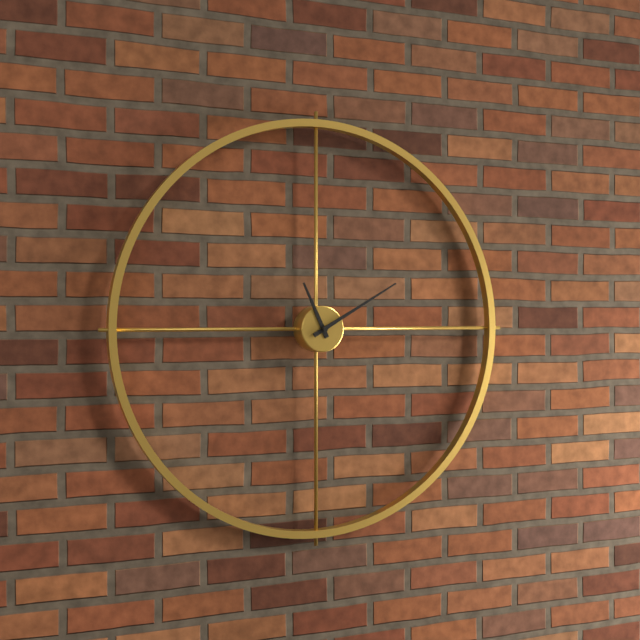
11.10
